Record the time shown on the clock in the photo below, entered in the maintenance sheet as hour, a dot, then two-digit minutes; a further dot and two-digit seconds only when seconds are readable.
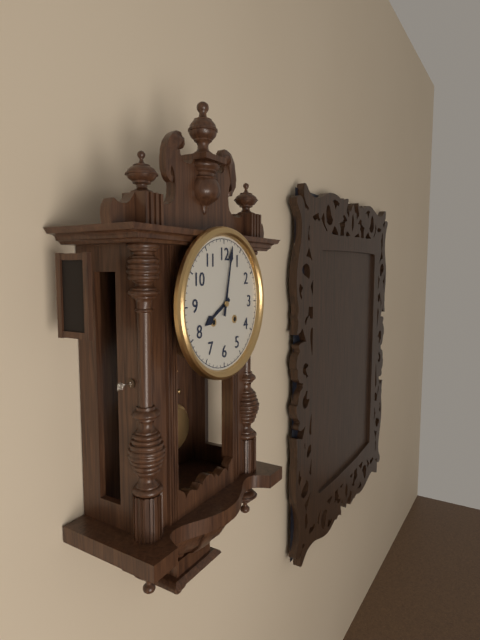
8.02
